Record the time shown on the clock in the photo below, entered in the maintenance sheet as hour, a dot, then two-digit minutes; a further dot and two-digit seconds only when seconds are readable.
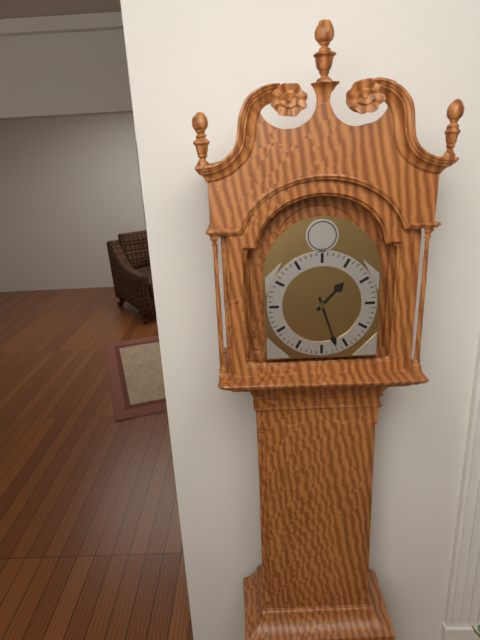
1.27
